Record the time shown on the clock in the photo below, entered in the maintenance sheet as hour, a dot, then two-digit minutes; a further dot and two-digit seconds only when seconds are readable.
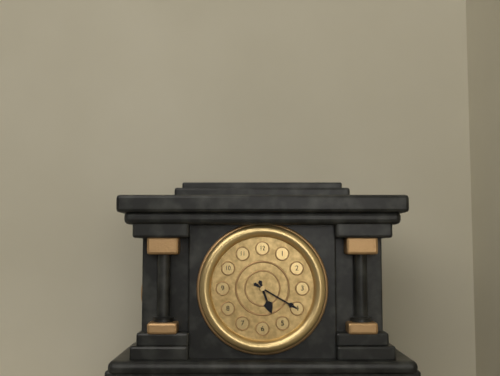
5.20
